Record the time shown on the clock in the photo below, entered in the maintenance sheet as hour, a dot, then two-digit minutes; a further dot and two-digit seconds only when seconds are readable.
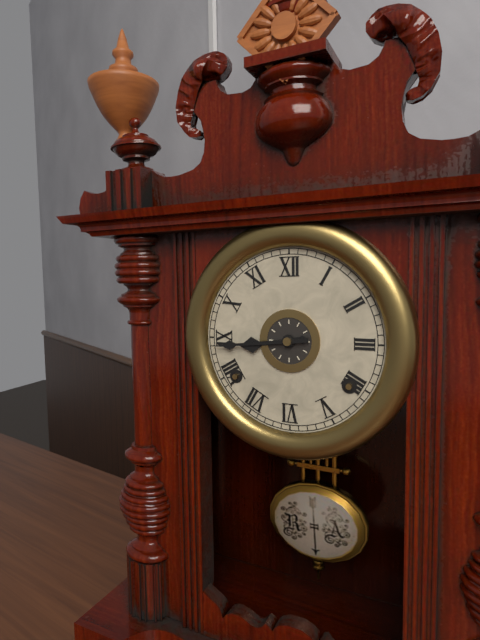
8.44
